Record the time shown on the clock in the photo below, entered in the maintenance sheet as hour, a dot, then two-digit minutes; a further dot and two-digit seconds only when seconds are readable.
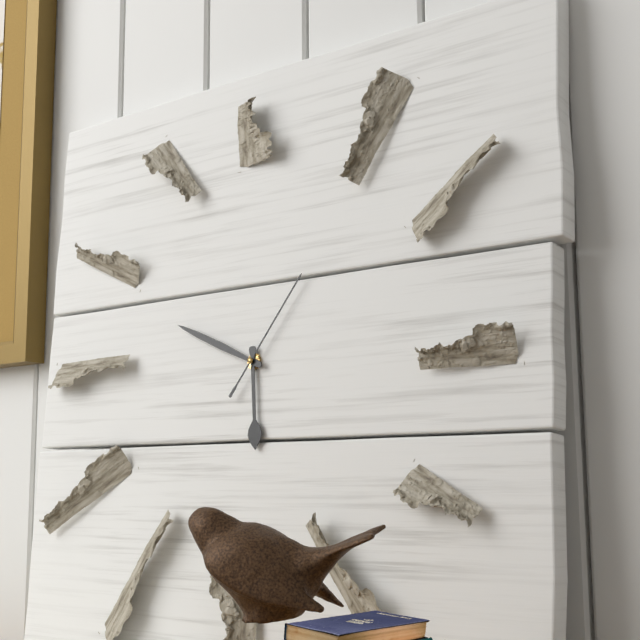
5.49.06
